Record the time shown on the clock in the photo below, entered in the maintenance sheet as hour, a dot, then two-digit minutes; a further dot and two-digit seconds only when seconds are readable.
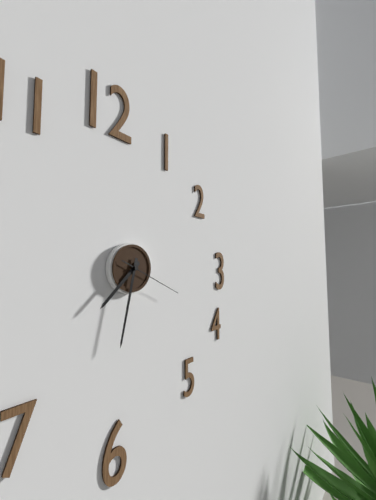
7.32.19
